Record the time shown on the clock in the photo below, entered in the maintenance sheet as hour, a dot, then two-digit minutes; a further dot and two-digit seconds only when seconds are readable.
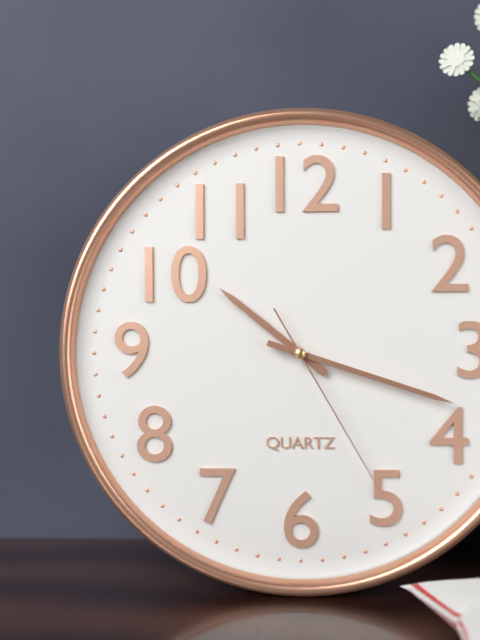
10.18.25
